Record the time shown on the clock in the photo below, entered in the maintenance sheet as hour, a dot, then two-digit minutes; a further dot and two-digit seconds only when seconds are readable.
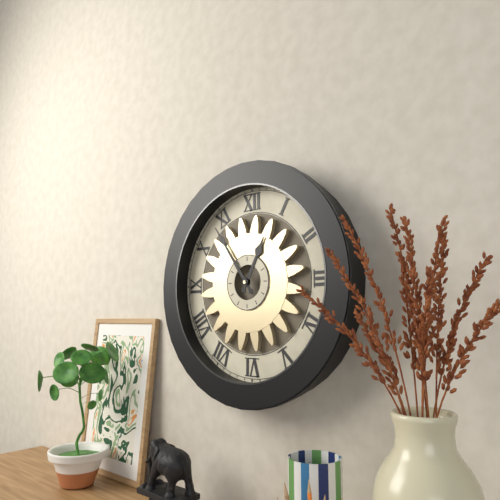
12.54
